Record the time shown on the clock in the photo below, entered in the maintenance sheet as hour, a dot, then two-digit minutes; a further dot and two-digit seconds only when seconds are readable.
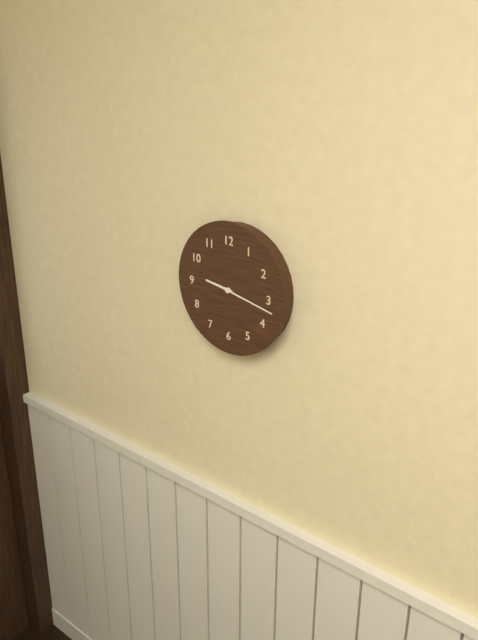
9.17
